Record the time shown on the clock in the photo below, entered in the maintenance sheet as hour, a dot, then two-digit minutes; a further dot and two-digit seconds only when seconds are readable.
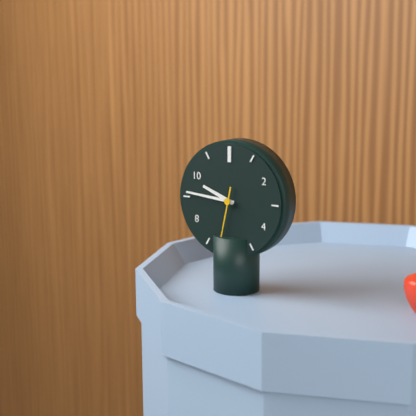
9.46.32
